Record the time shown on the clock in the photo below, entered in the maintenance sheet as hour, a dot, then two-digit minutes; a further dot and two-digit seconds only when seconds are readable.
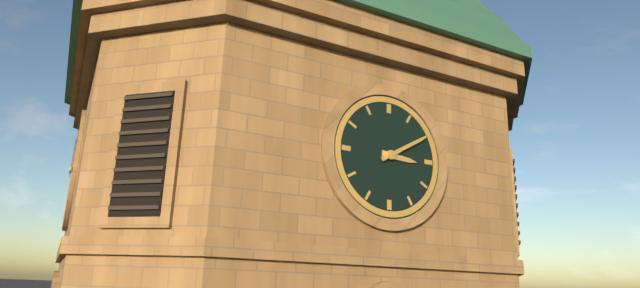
3.10
